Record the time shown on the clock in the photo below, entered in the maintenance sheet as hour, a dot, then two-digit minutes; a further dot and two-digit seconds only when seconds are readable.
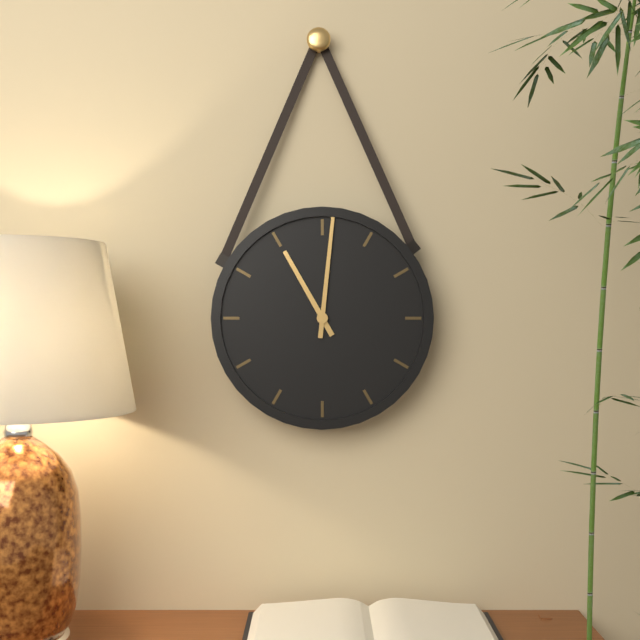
11.01
